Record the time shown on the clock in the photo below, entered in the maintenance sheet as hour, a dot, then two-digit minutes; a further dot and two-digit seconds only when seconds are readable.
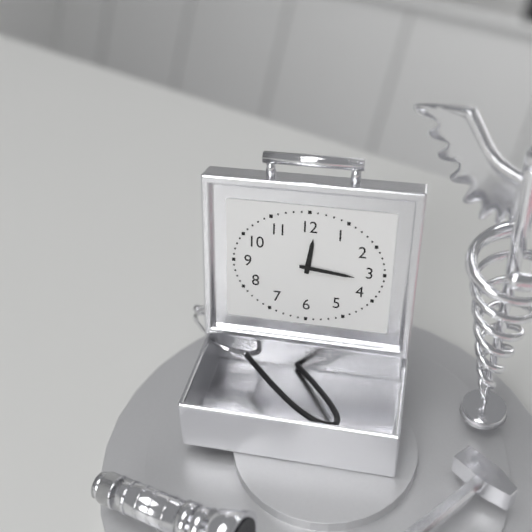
12.16
